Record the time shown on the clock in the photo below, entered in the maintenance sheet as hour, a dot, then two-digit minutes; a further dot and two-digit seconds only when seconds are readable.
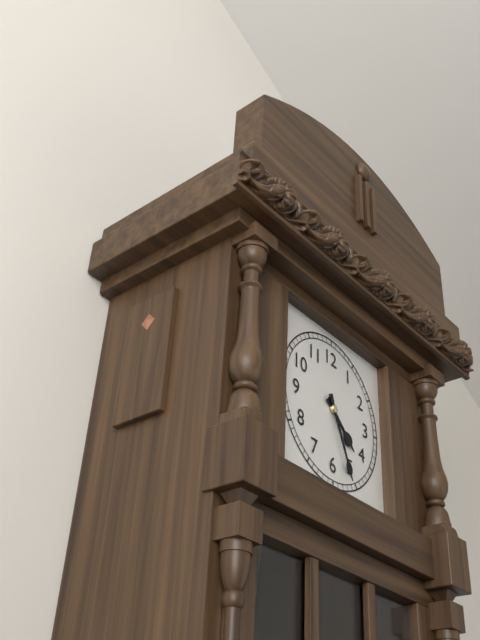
4.26
